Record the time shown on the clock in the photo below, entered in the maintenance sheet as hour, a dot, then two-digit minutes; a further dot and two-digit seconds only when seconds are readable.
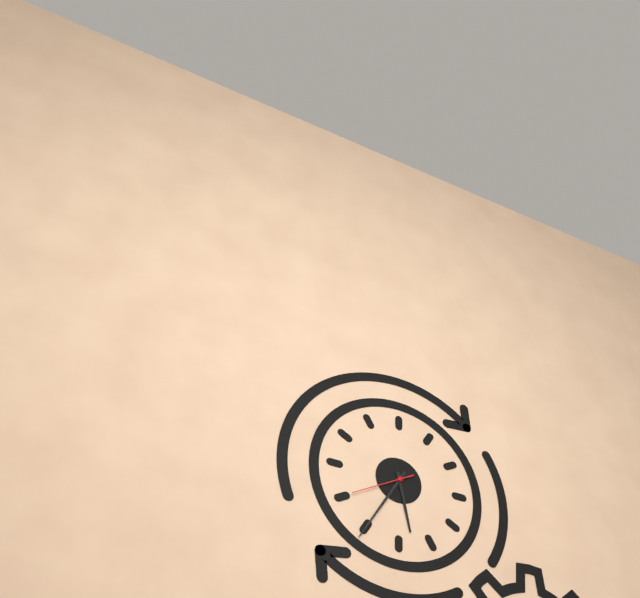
5.35.40
